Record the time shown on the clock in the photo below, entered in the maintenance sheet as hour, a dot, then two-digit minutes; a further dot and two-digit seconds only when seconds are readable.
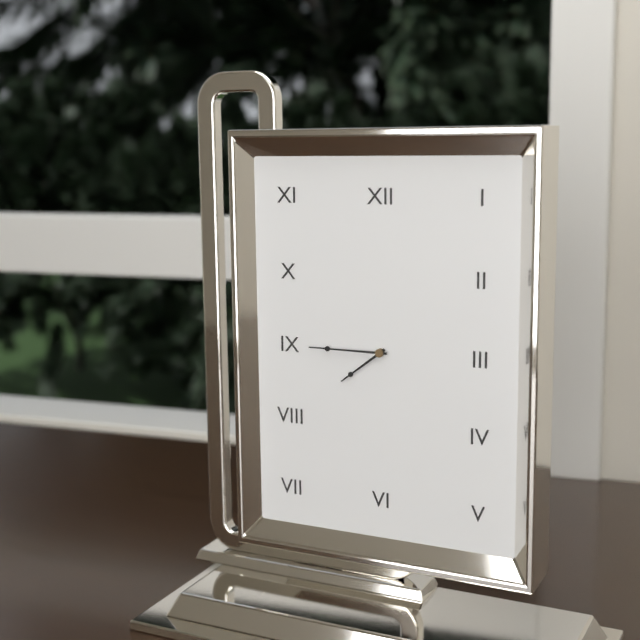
7.45
